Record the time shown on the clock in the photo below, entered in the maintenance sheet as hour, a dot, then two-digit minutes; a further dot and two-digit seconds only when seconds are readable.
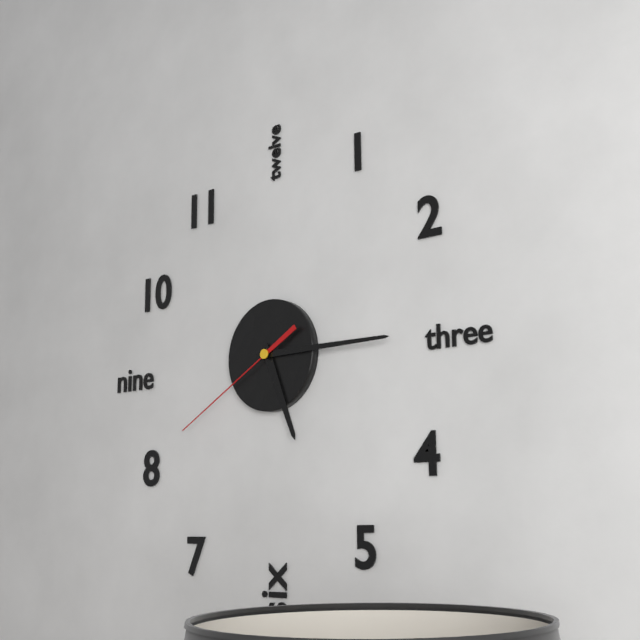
5.15.40
